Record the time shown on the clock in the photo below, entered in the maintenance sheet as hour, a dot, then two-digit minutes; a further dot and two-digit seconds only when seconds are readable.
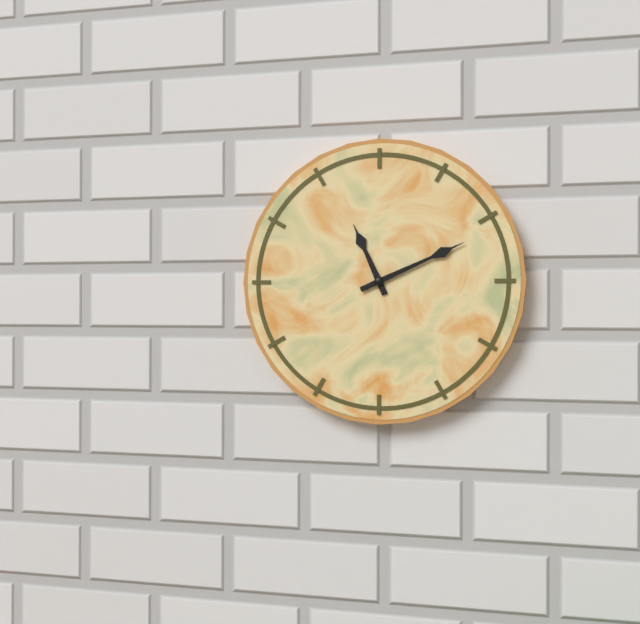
11.11
